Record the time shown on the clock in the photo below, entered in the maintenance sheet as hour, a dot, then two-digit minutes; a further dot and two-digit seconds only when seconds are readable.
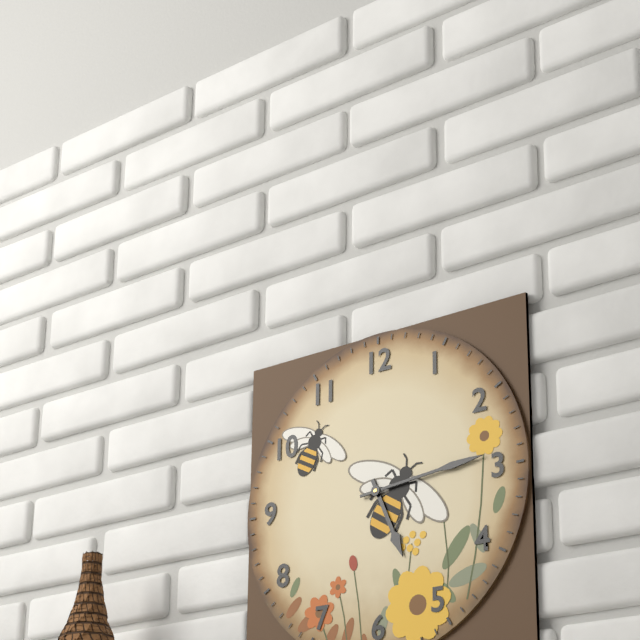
5.14
